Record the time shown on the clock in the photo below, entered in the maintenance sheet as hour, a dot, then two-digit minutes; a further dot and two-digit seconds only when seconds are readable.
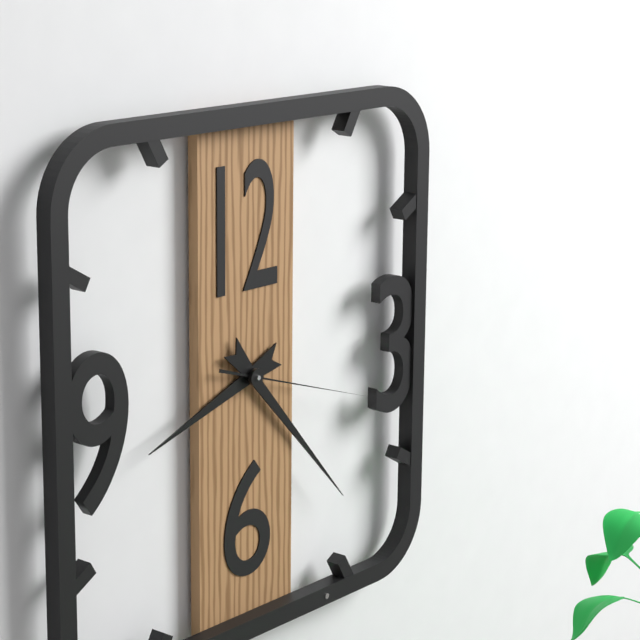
8.23.18
